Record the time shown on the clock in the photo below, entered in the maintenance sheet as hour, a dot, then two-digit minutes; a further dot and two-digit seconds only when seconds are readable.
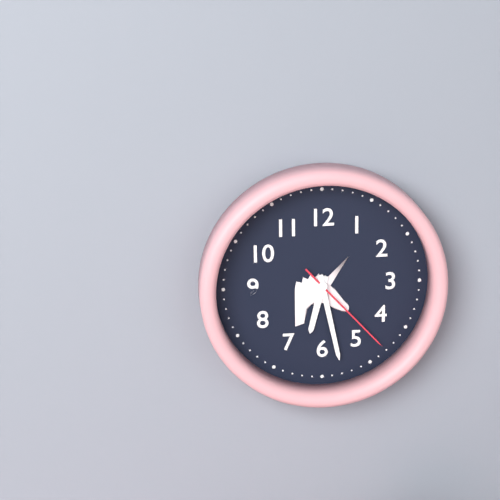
6.28.23
